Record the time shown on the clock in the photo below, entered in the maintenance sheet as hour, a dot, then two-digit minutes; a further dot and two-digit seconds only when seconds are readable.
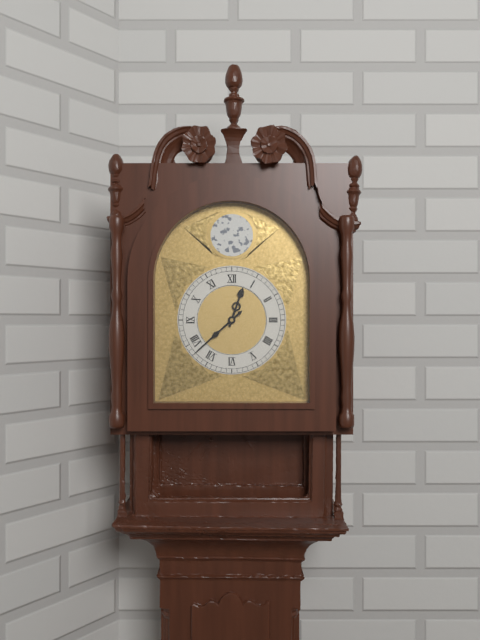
12.38
